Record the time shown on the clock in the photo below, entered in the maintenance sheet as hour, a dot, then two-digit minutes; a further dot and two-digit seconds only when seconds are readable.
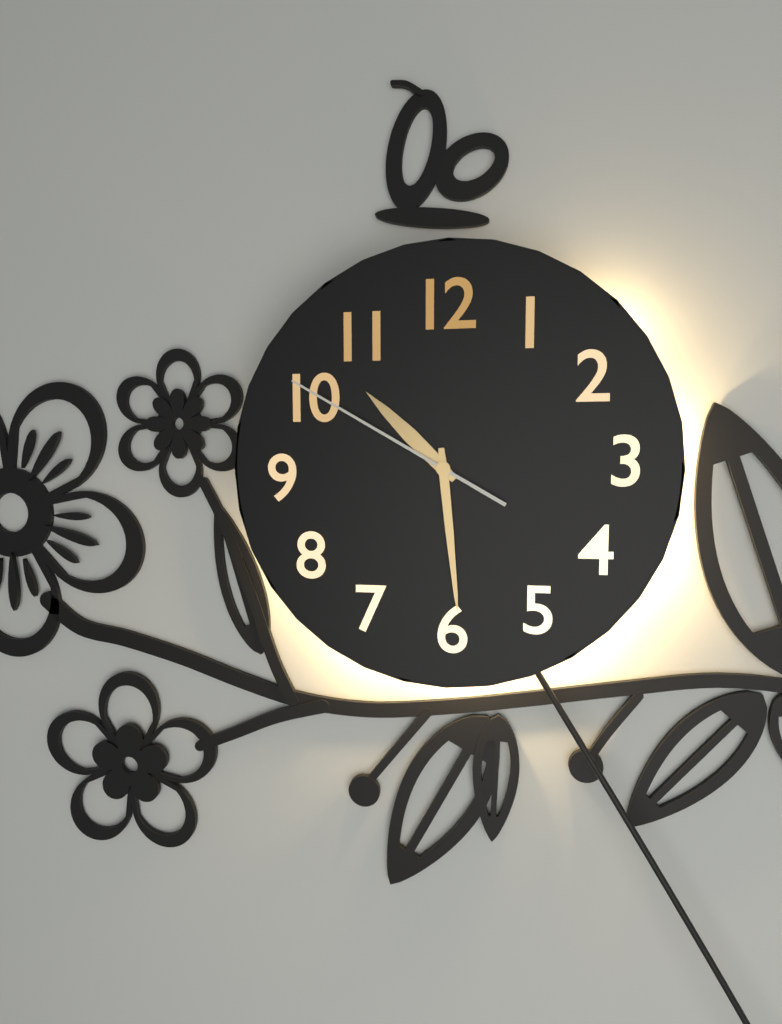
10.29.50
